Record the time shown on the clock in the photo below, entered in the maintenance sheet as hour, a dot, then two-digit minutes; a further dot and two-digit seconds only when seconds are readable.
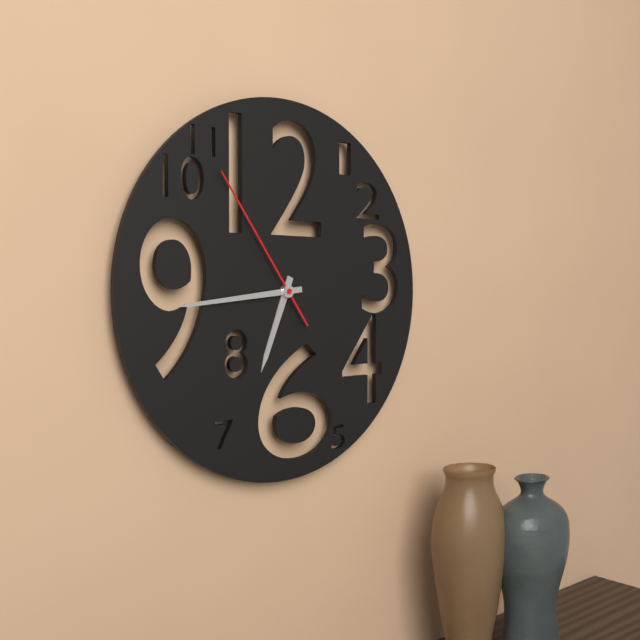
6.44.54
